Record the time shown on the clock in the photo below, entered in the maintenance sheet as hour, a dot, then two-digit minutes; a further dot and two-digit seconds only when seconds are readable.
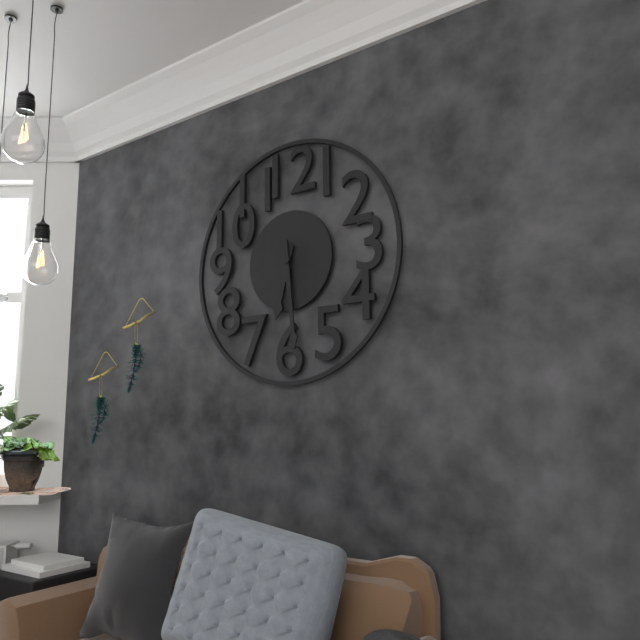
6.29
